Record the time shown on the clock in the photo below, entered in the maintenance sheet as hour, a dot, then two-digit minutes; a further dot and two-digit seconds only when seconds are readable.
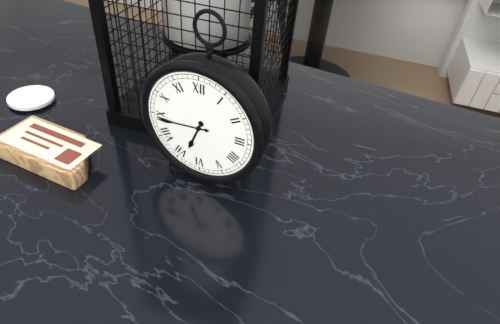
6.44
